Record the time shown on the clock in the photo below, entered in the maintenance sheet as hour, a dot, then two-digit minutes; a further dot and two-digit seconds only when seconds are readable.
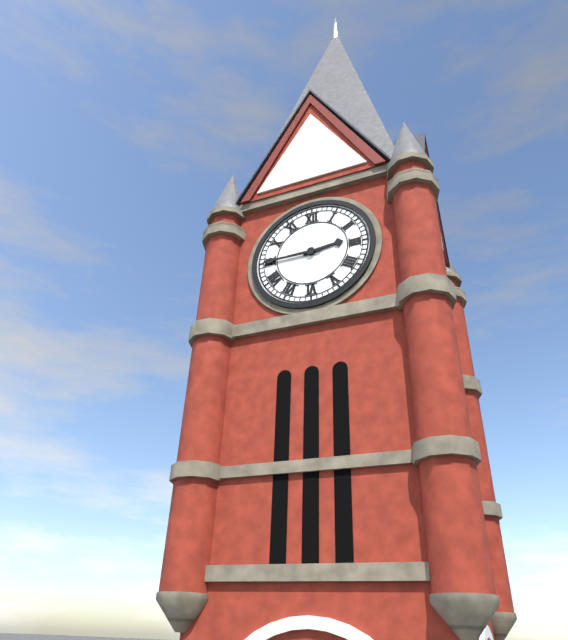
2.45
